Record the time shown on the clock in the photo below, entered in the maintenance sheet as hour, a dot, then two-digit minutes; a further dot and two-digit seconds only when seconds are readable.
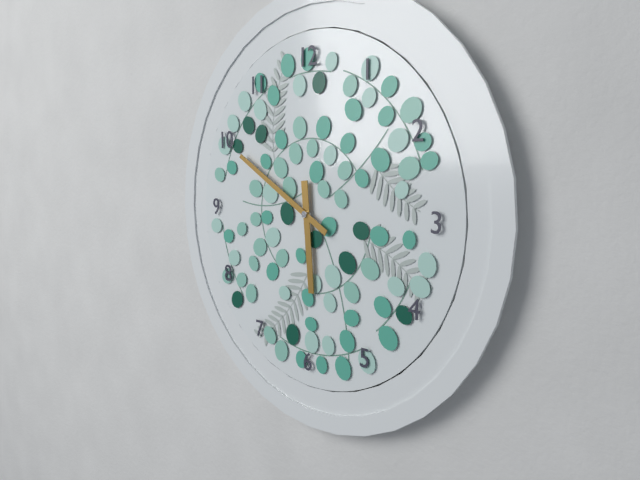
5.50
